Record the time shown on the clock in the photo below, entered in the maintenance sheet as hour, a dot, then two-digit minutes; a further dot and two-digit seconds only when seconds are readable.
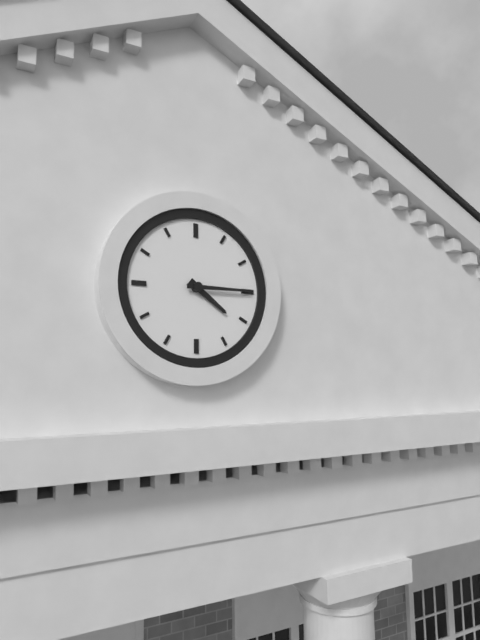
4.15
